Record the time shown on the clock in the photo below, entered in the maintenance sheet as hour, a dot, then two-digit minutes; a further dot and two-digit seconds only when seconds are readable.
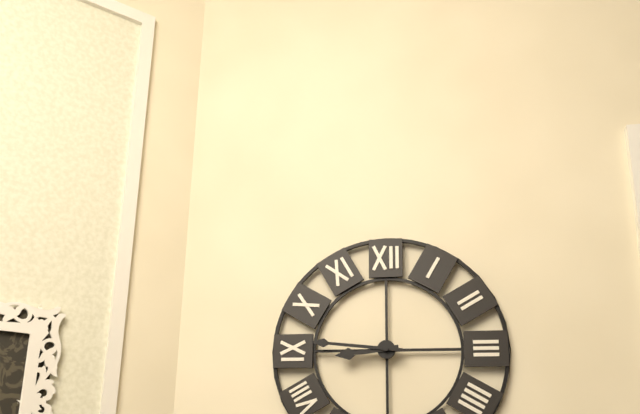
8.46
